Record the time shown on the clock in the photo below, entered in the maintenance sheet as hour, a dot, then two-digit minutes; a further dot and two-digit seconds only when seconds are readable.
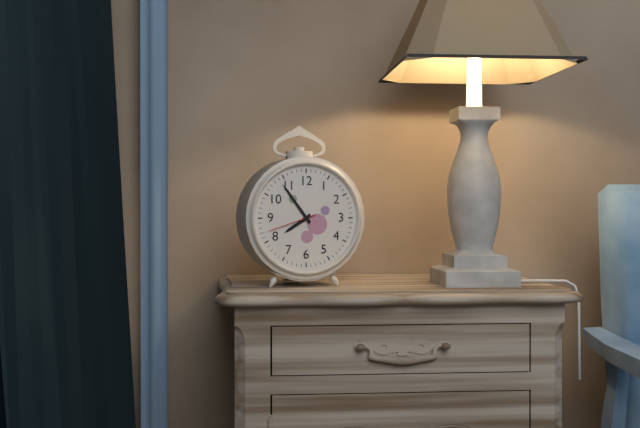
7.54.42
